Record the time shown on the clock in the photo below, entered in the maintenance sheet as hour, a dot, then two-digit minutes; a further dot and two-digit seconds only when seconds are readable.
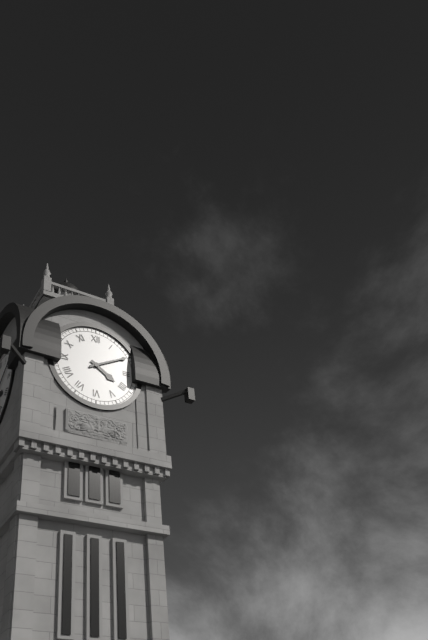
4.10
